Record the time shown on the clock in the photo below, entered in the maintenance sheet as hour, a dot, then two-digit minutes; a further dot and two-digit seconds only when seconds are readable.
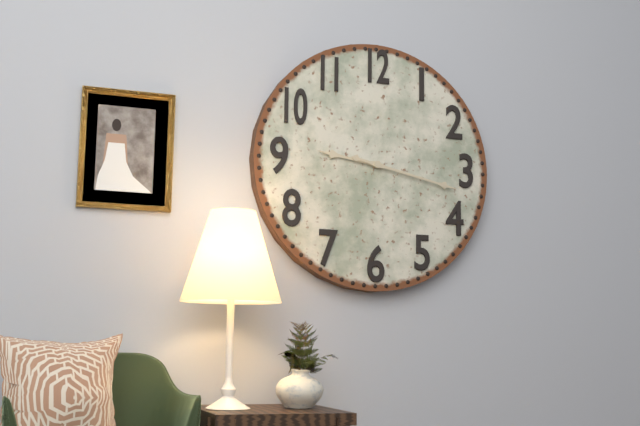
9.17
